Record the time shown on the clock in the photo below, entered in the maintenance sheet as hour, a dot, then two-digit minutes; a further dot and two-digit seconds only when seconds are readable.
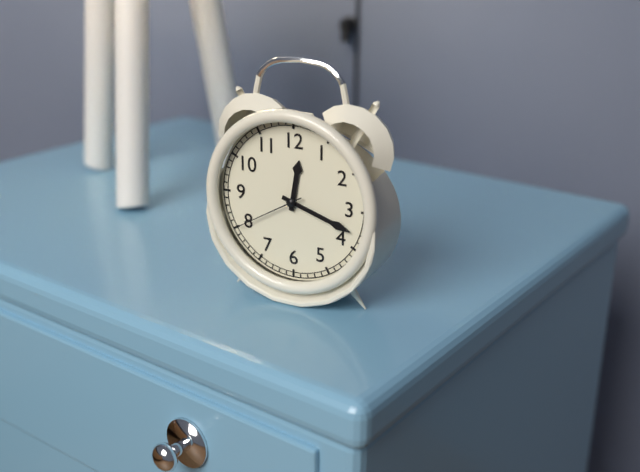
12.18.40
